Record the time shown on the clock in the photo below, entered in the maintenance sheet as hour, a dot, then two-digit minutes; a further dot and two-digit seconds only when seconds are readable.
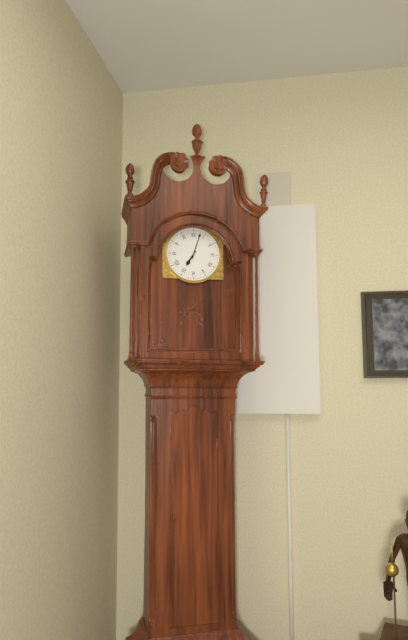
7.03
